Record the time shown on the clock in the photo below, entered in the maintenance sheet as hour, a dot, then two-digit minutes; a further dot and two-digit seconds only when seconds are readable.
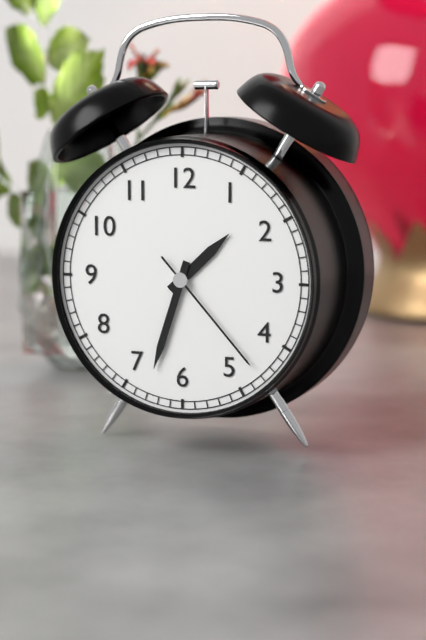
1.33.23
